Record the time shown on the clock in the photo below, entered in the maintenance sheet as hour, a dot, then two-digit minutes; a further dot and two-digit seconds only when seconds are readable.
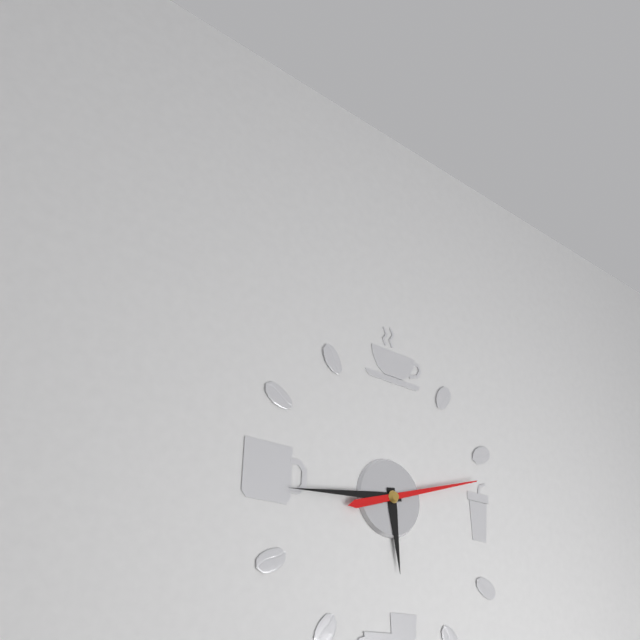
5.44.12
